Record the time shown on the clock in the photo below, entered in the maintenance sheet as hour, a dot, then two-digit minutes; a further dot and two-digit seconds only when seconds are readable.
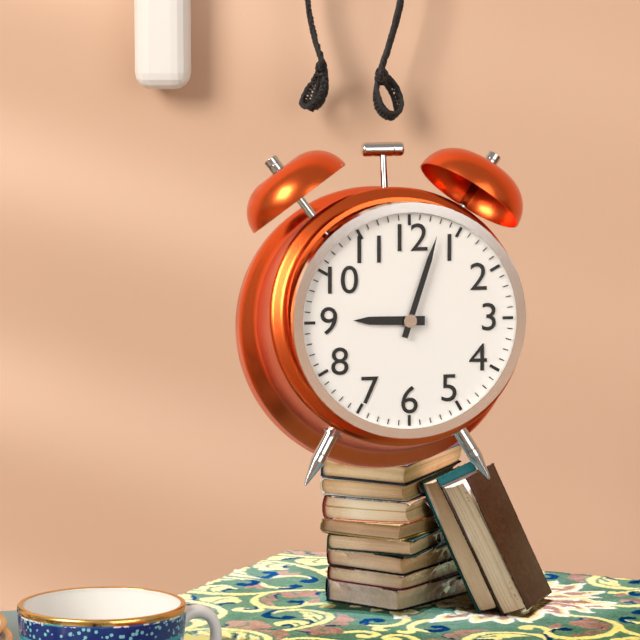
9.03
